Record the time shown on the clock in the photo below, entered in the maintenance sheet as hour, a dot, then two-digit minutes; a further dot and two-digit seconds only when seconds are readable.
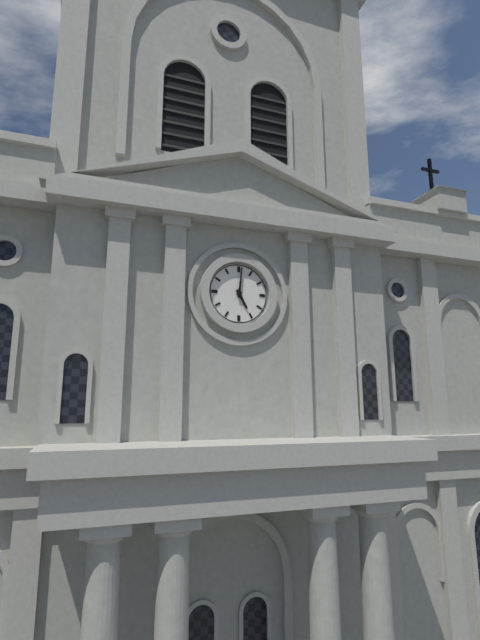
5.01
